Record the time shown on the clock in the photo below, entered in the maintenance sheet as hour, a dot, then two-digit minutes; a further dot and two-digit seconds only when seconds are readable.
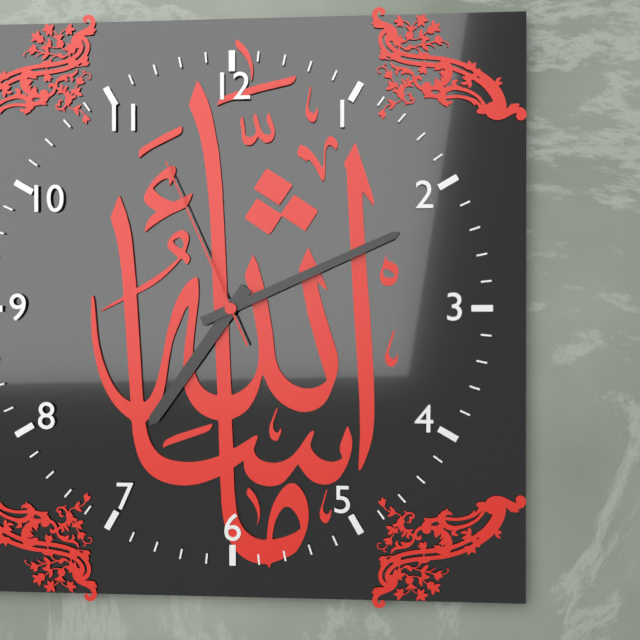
7.11.56
